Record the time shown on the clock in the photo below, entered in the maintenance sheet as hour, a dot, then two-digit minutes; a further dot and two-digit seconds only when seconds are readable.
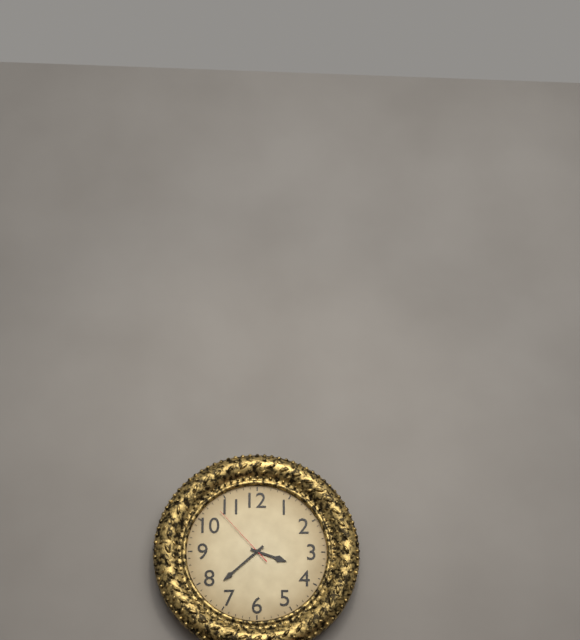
3.38.53
